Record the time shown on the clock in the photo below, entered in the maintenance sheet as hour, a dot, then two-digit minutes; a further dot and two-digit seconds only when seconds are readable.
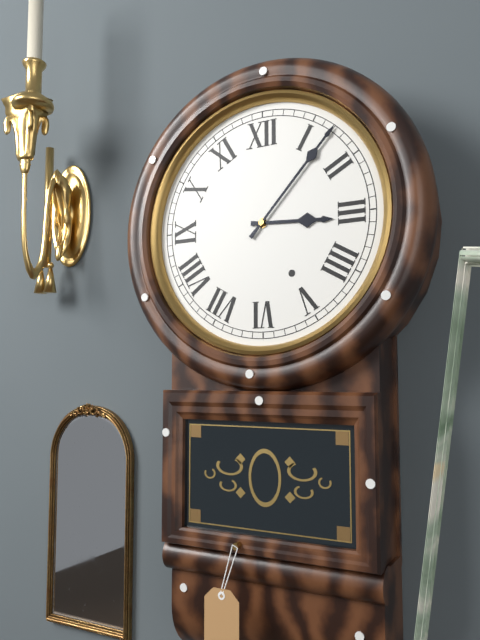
3.07
